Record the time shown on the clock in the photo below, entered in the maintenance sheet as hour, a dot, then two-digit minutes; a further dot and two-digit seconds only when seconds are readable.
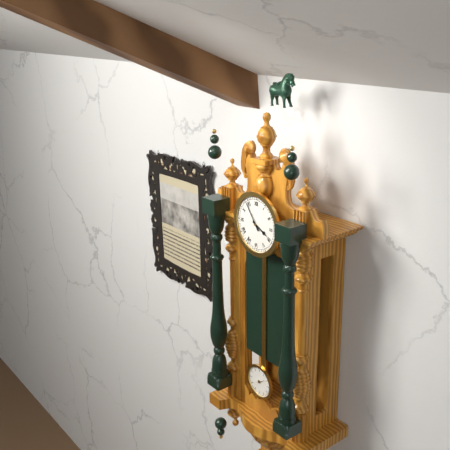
3.54
